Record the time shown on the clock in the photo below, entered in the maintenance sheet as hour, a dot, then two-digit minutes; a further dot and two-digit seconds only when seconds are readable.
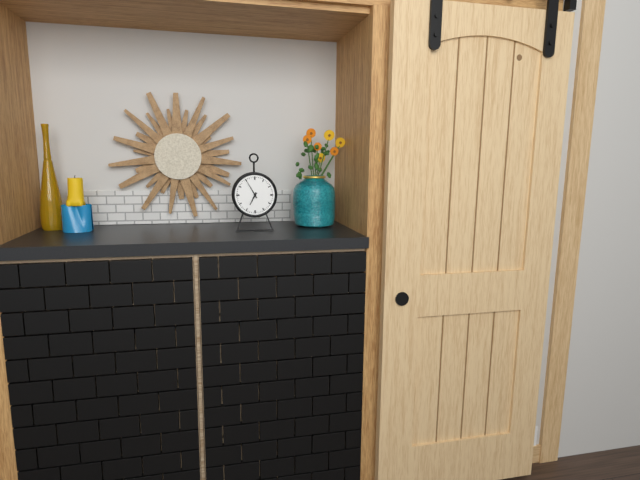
6.55
